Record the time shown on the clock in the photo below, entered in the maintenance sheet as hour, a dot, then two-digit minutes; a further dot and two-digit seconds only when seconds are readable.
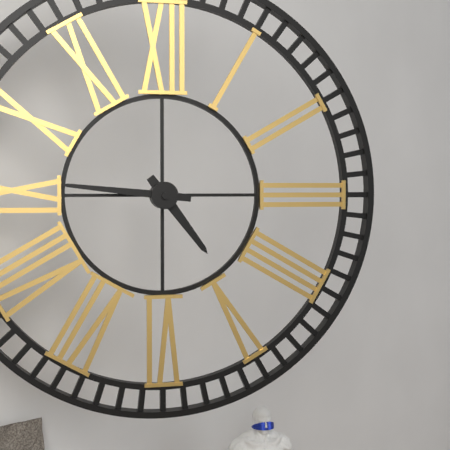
4.46
